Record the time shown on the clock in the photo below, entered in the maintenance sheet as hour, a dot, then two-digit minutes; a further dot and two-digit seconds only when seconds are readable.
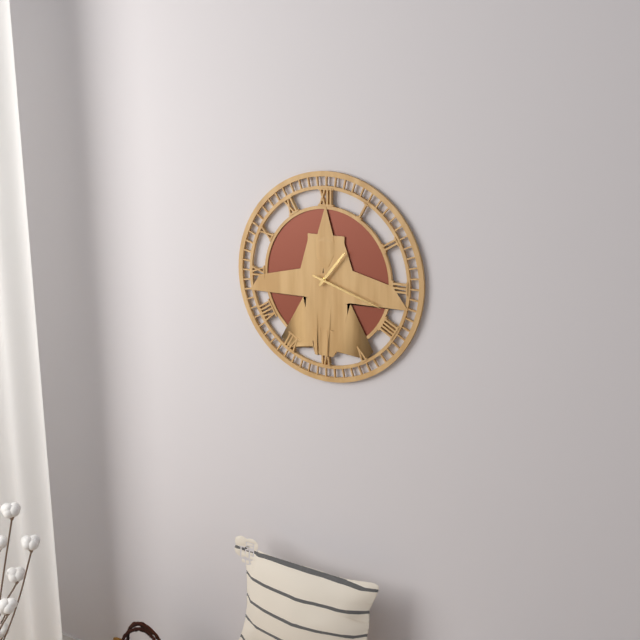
1.18
